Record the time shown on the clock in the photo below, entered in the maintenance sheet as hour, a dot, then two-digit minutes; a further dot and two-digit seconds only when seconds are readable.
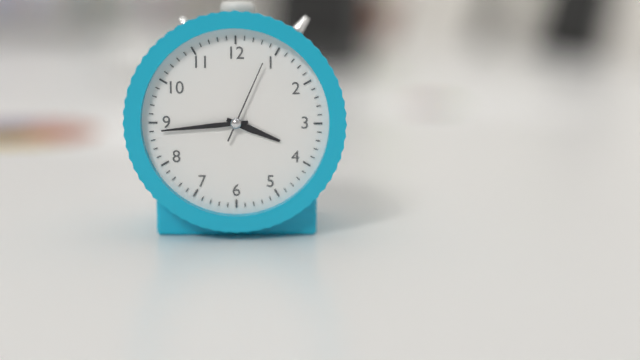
3.44.04
